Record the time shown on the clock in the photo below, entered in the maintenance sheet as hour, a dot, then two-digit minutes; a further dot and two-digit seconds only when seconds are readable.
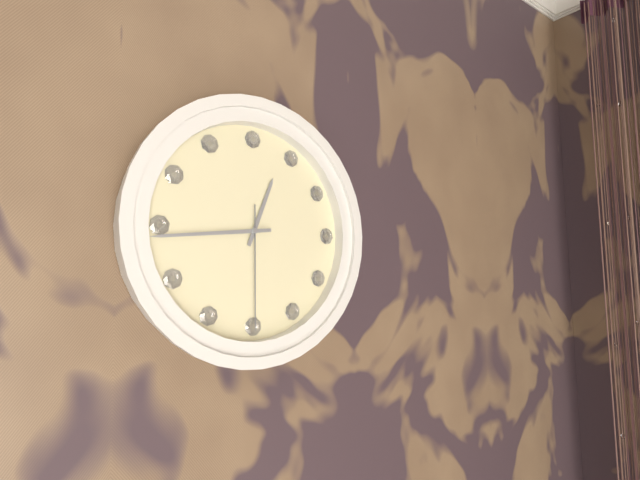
12.44.30
